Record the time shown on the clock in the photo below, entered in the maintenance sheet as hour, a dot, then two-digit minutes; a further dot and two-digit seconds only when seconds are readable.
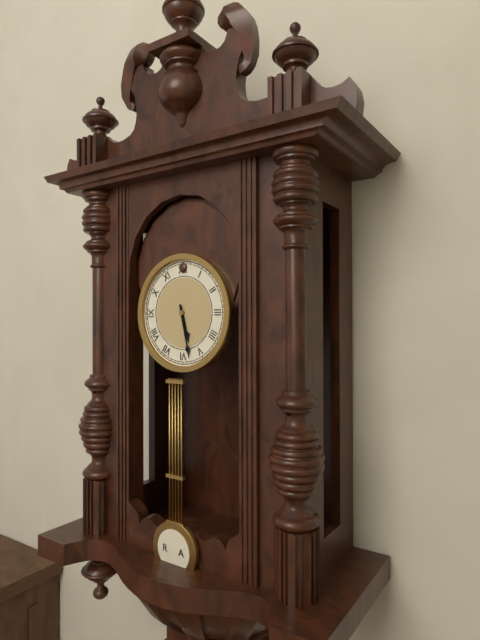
5.28
